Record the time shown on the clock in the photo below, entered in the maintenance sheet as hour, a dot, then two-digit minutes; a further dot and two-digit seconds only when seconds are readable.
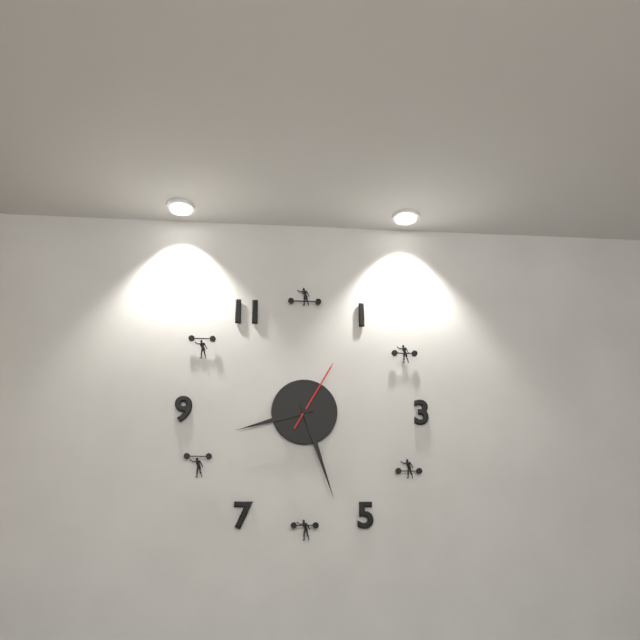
8.27.05
